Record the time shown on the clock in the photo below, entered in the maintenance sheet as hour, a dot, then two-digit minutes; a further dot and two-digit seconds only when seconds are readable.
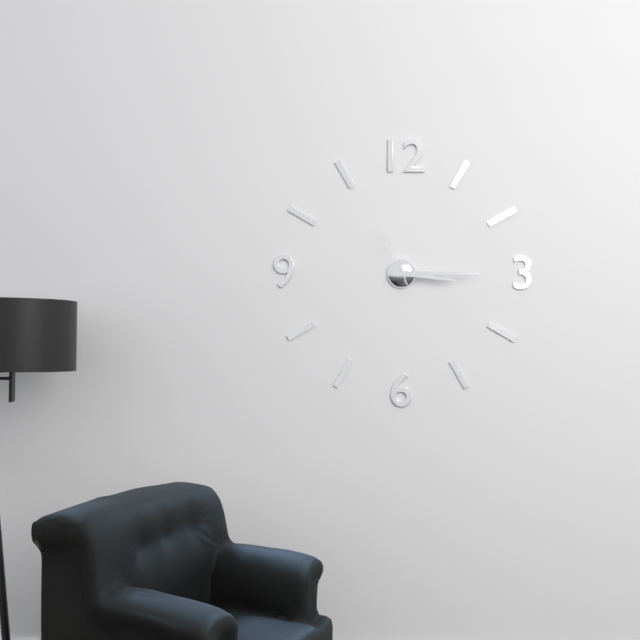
3.15.56
